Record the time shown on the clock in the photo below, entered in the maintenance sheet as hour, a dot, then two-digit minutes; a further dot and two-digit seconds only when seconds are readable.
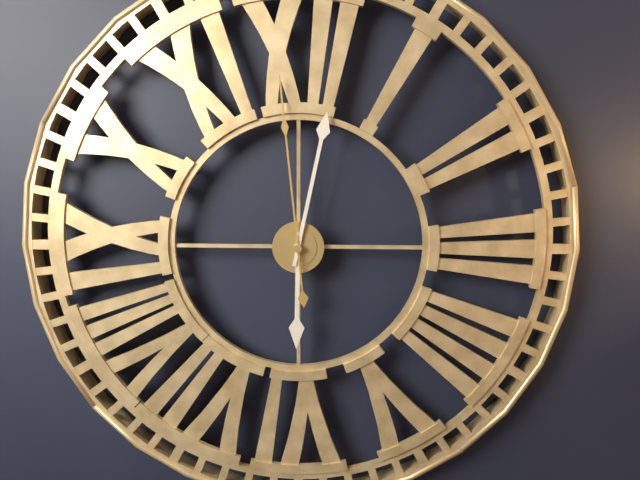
6.02.59
